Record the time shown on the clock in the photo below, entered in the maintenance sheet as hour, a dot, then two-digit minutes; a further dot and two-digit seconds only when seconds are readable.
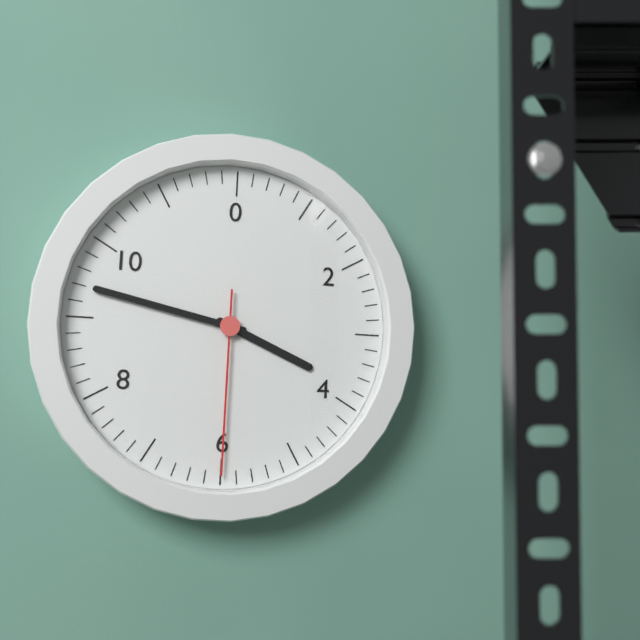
3.47.30
